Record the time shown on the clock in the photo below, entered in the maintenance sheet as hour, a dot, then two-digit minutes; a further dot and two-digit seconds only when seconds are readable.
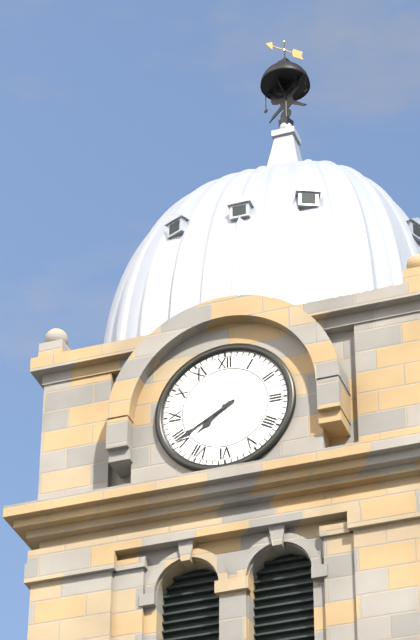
7.40
